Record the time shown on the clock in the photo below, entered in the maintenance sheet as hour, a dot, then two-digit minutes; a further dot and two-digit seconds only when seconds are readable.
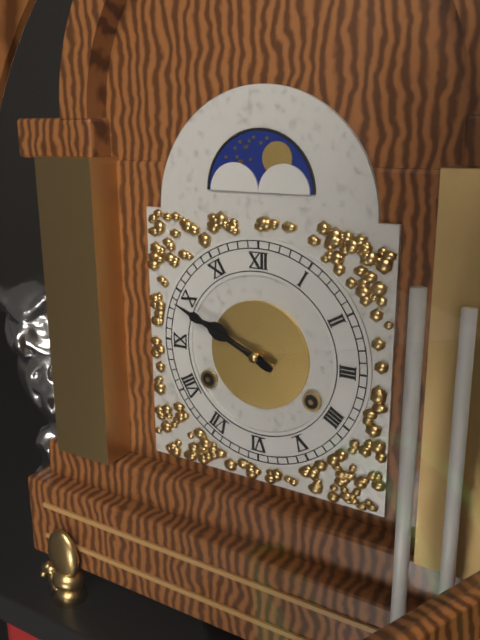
9.49
